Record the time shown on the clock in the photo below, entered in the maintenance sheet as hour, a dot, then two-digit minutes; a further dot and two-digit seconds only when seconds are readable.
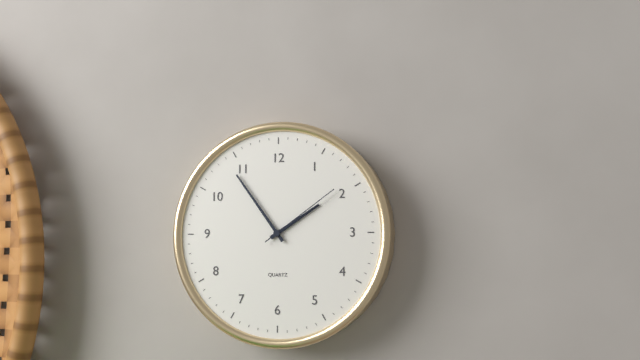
1.54.09
